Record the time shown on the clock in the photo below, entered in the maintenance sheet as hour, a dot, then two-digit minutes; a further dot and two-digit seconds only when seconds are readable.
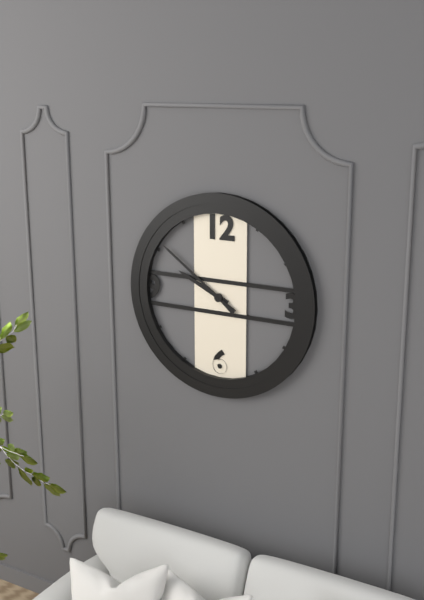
9.51
